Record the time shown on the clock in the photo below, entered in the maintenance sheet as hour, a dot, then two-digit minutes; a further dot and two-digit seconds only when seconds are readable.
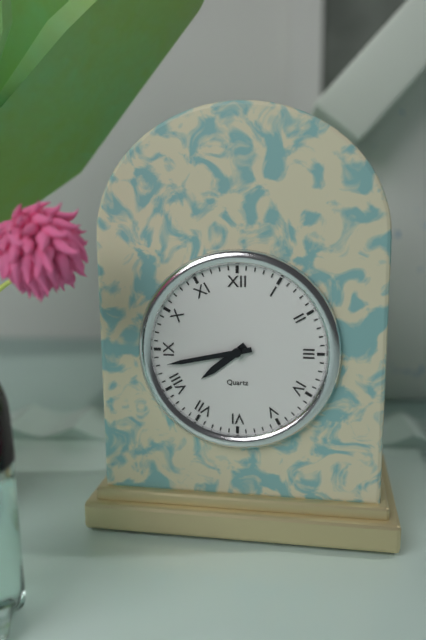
7.43
